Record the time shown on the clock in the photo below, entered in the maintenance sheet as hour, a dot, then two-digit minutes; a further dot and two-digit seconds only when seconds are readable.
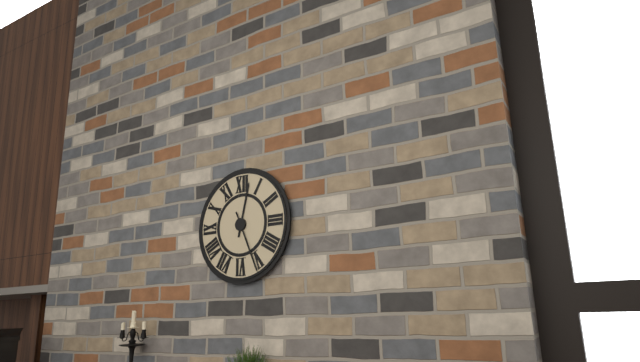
12.26
